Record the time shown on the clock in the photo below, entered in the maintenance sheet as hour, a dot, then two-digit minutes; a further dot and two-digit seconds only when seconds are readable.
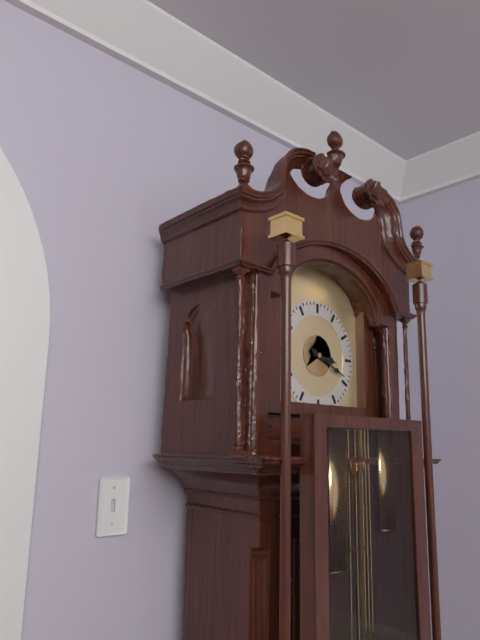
3.19
